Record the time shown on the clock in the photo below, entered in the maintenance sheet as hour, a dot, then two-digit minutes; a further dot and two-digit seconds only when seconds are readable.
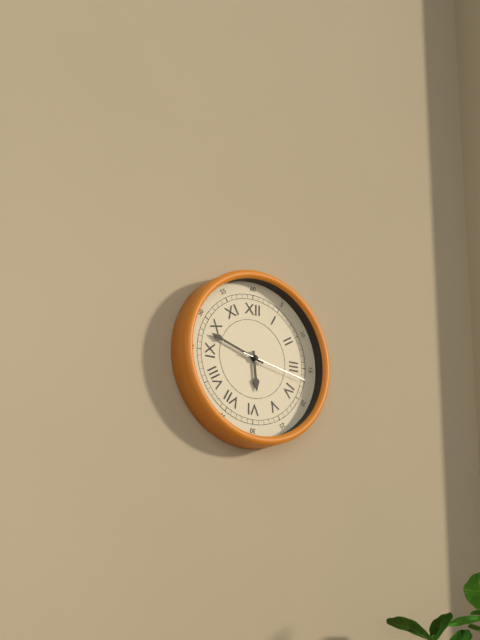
5.48.17
